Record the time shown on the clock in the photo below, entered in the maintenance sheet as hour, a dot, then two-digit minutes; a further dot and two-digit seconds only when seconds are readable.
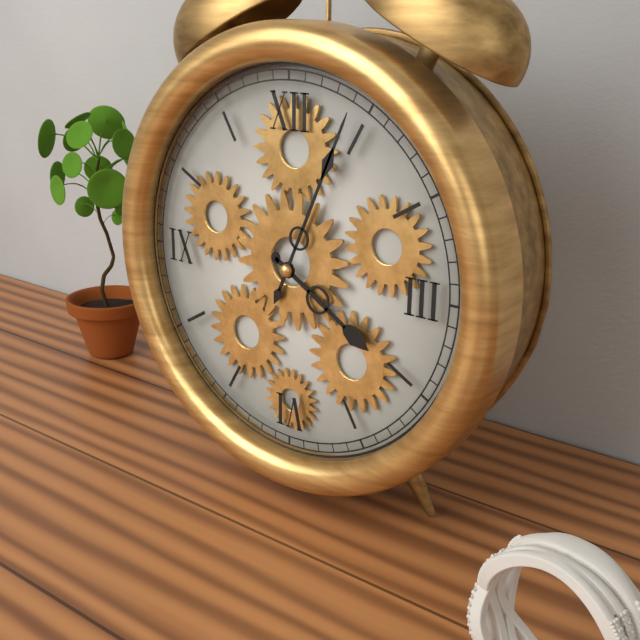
4.04
